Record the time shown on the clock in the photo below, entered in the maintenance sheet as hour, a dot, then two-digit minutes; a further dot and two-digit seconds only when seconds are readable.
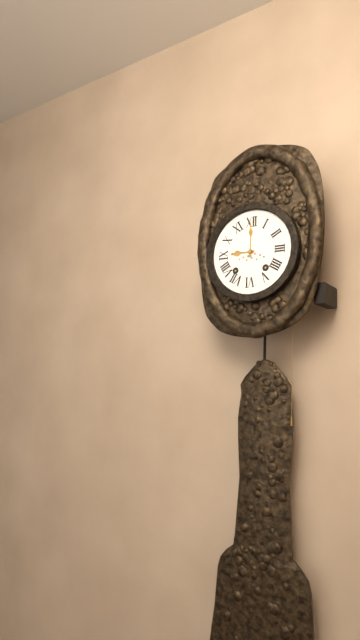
9.00
